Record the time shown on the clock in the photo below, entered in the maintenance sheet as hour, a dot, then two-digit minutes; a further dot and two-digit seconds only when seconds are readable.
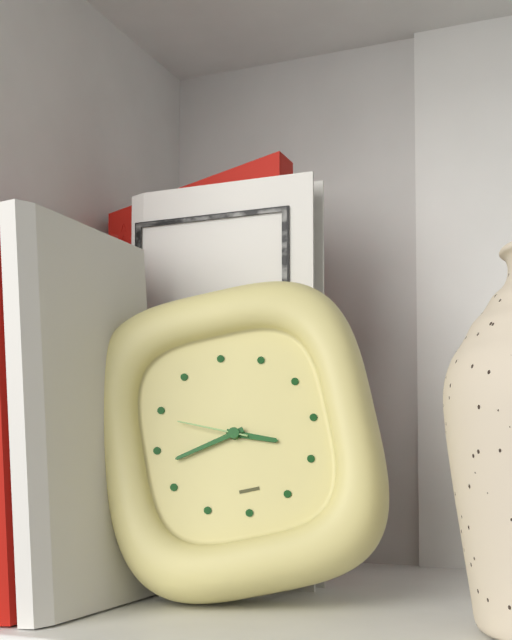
3.43.49
